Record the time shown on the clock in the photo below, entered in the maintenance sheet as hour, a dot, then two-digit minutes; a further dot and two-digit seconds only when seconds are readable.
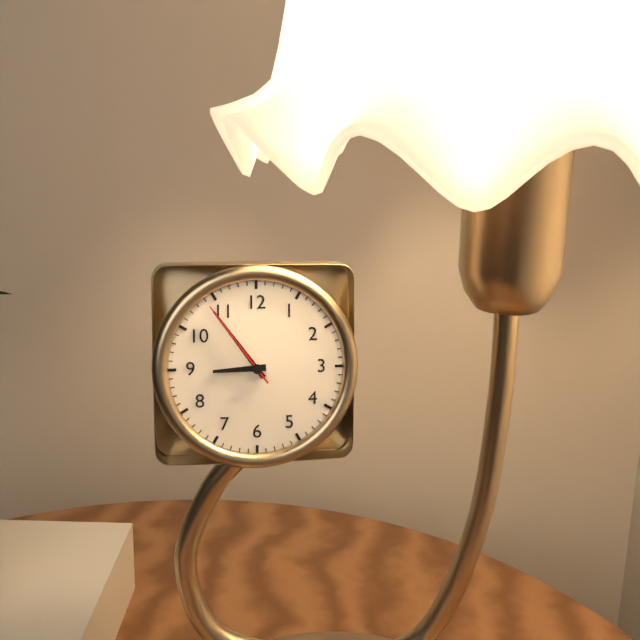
8.54.54
